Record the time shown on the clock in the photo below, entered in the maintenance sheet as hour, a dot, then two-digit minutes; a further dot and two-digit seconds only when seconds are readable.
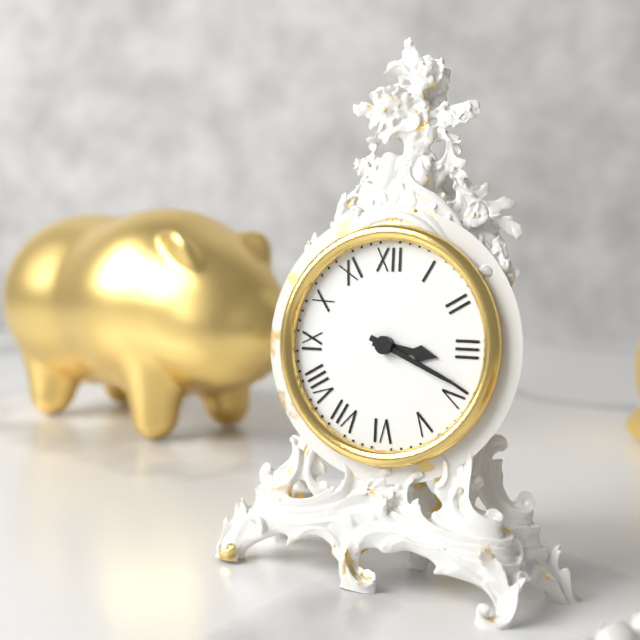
3.19
